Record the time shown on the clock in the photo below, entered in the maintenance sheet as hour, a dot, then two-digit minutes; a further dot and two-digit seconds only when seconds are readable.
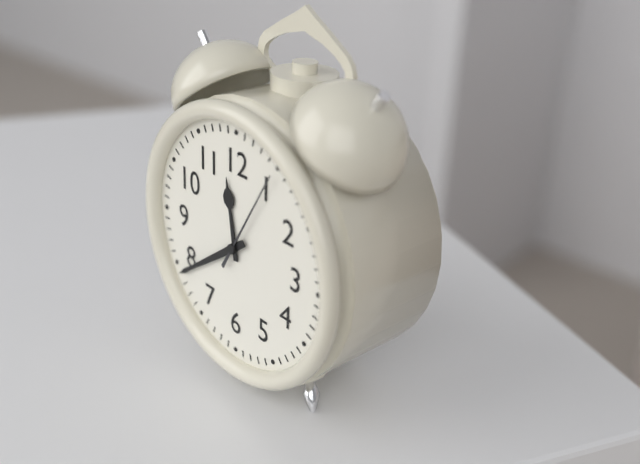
11.39.05
